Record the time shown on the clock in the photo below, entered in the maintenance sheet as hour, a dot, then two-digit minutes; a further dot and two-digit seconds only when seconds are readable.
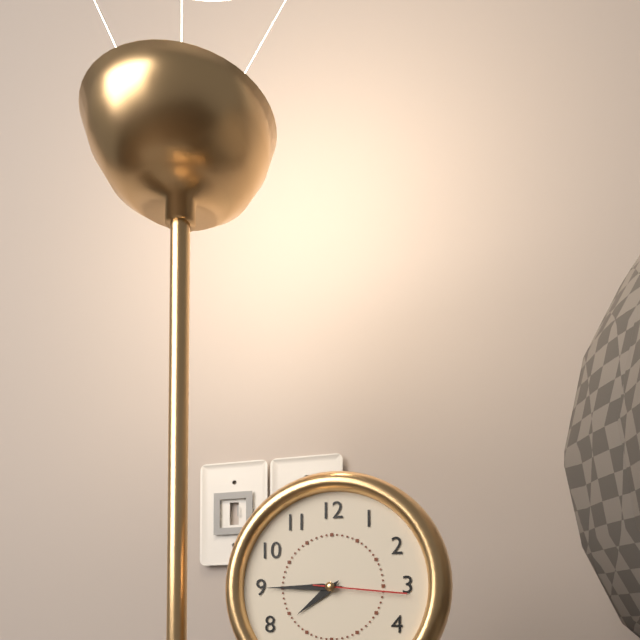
7.45.16
